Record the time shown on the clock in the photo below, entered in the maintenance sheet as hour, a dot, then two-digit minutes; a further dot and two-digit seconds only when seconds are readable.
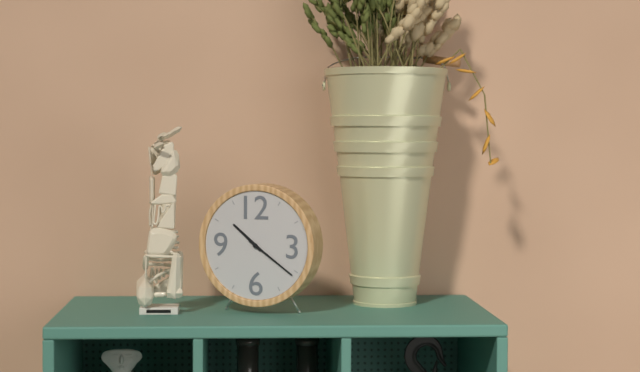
10.21
